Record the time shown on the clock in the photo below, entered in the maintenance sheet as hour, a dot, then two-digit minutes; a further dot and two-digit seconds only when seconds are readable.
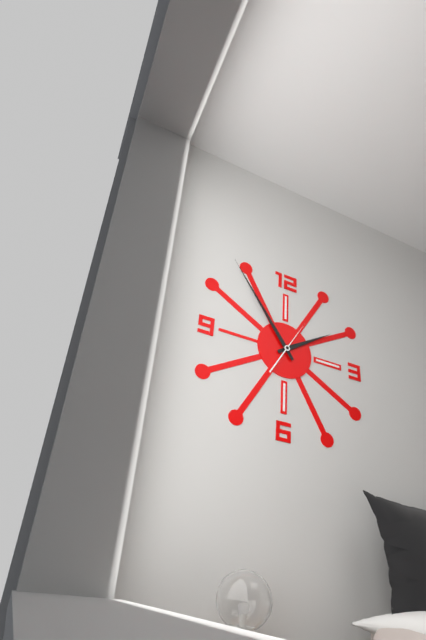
1.54
